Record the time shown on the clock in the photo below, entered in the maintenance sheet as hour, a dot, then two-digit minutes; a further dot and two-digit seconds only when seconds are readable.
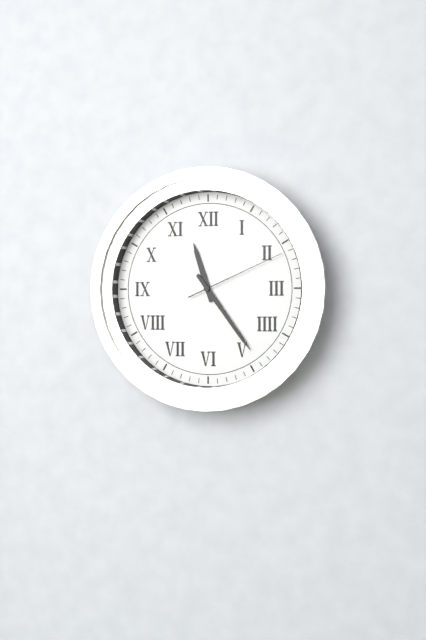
11.24.11
